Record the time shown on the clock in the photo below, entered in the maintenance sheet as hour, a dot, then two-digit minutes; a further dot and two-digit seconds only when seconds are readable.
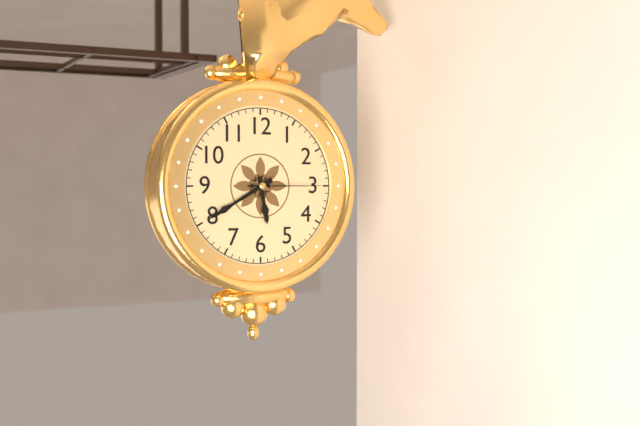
5.40.15
